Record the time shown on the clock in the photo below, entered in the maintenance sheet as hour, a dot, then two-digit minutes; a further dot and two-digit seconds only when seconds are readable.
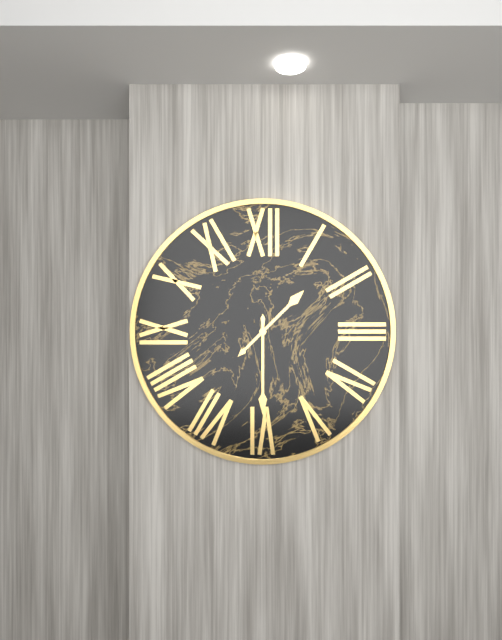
1.30
